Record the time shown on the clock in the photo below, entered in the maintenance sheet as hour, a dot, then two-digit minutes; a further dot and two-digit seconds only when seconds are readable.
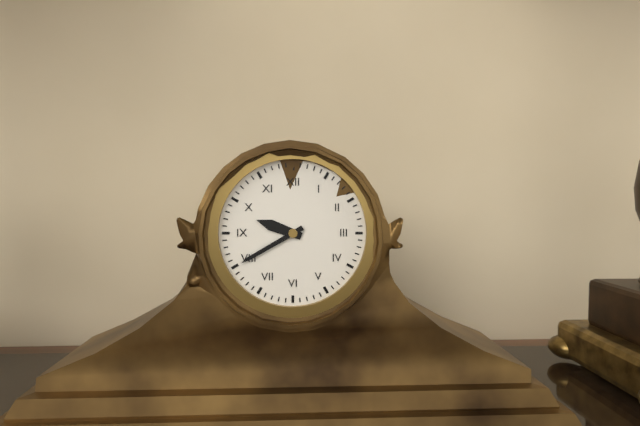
9.40
